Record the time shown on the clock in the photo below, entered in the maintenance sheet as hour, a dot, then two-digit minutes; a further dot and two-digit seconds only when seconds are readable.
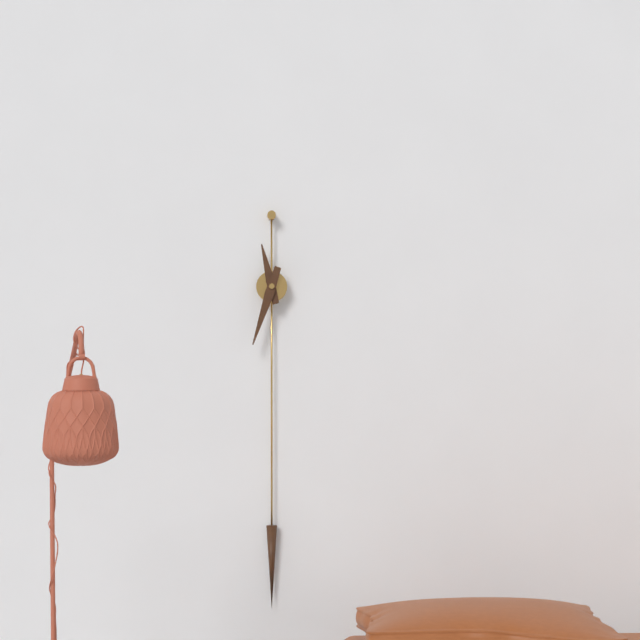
11.33
